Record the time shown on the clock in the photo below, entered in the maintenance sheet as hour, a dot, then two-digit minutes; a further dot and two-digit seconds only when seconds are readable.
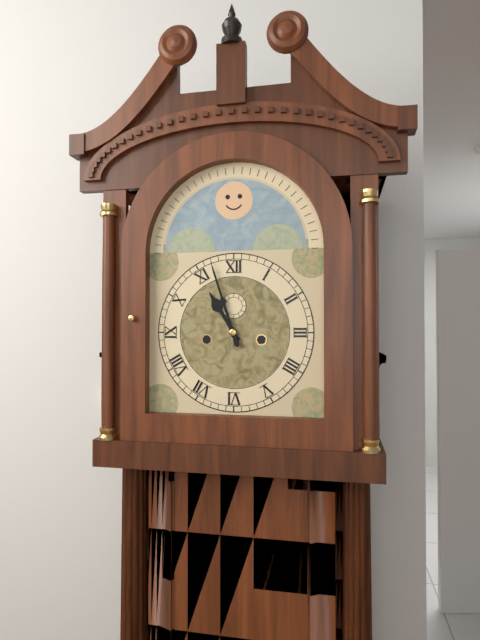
10.57
